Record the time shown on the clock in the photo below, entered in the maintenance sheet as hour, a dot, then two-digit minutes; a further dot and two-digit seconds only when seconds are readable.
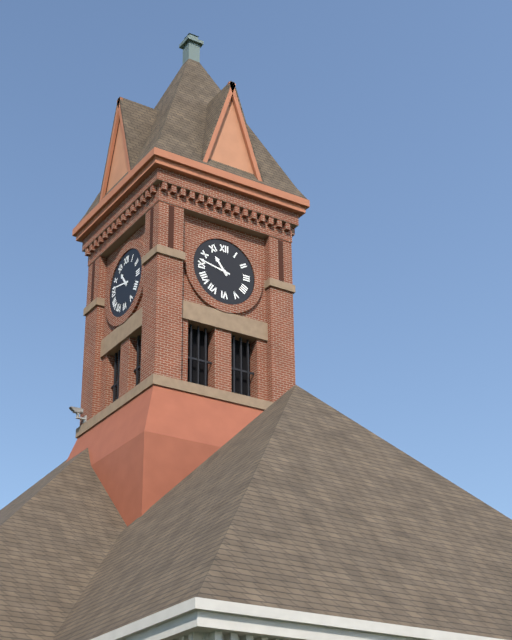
10.47
